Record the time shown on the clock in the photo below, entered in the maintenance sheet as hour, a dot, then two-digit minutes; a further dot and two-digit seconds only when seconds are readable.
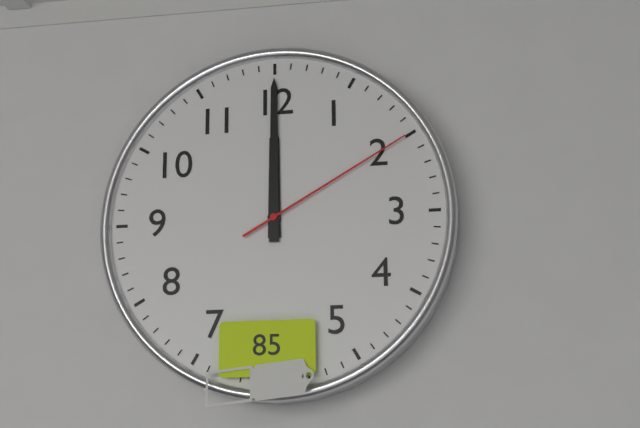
12.00.10
